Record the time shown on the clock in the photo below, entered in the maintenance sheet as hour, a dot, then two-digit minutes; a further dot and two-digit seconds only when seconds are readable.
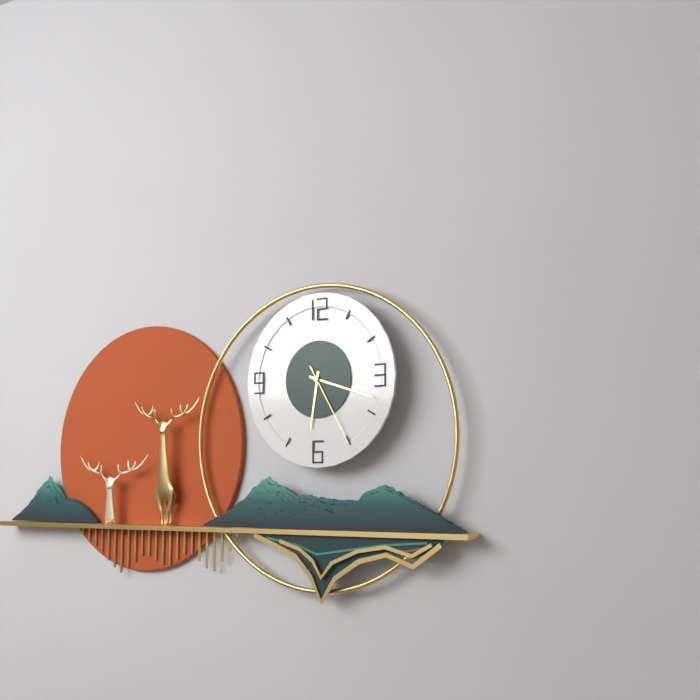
6.18.25
